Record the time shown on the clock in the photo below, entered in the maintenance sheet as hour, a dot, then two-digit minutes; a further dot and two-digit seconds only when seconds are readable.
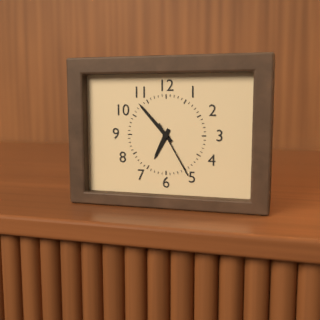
6.53.25
